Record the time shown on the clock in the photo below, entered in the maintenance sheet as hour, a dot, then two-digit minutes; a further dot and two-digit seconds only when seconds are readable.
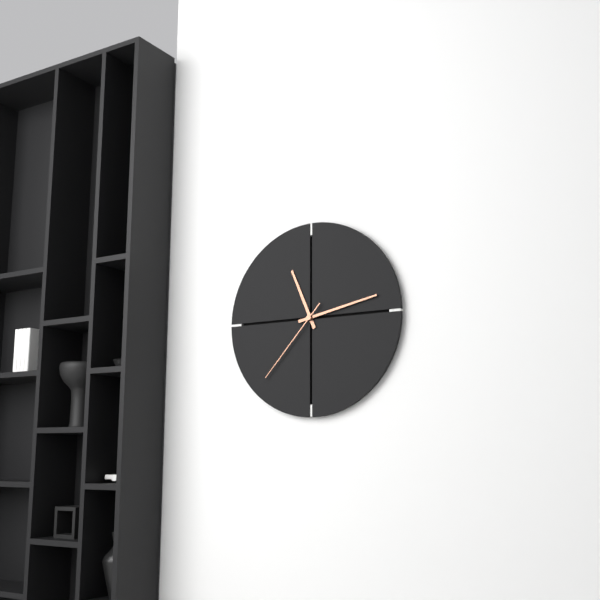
11.13.37
